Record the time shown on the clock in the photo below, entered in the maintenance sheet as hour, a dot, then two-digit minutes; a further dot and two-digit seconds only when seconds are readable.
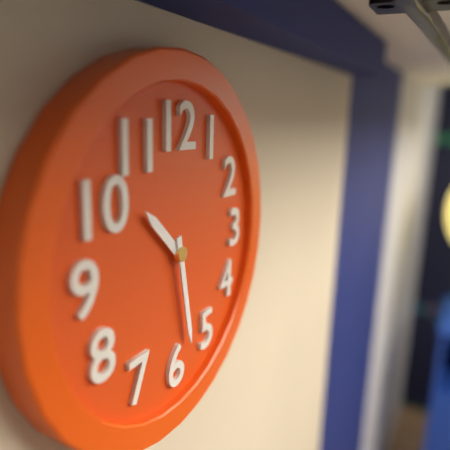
10.28
